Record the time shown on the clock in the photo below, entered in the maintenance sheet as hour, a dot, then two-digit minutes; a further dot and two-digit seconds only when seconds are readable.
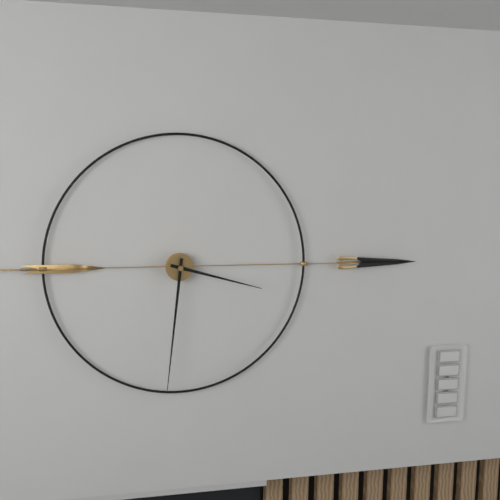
3.31
